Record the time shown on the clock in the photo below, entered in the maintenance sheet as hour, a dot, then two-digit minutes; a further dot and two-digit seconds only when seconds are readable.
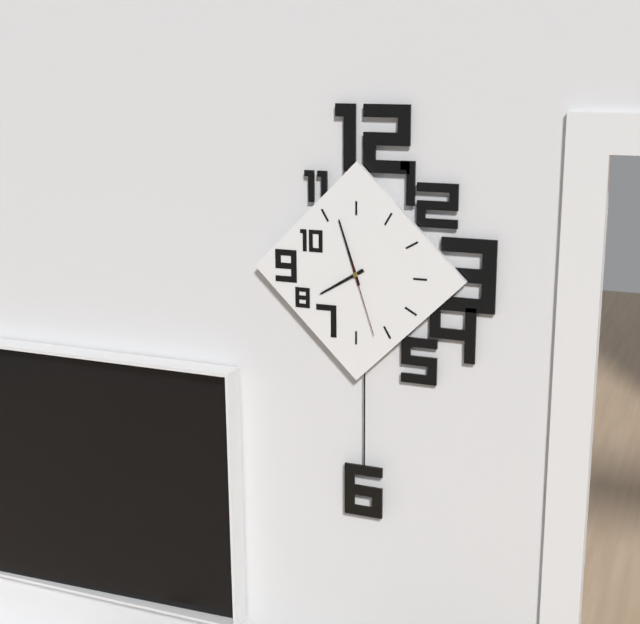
7.57.27
